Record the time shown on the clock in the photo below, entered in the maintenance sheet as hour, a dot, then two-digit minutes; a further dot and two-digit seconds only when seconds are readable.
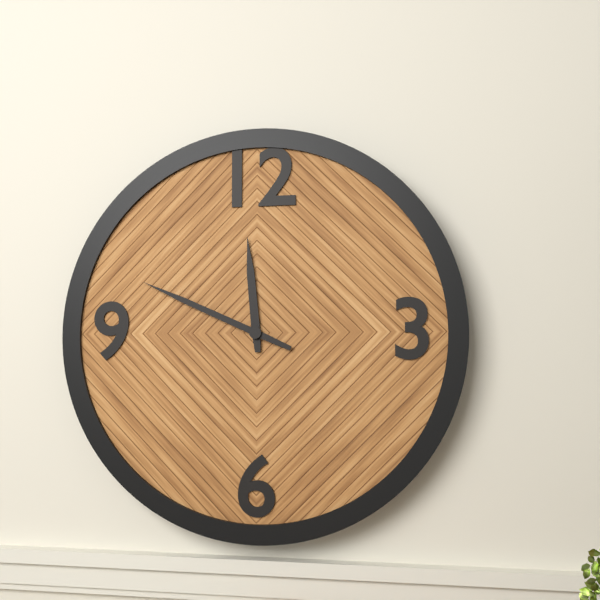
11.49
